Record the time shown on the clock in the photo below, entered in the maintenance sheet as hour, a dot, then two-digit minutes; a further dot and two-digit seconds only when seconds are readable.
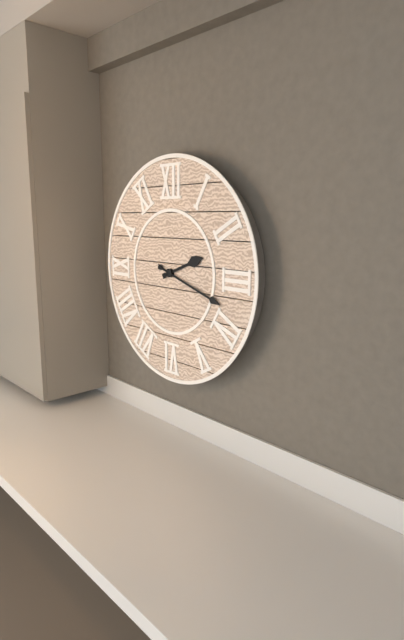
2.18
